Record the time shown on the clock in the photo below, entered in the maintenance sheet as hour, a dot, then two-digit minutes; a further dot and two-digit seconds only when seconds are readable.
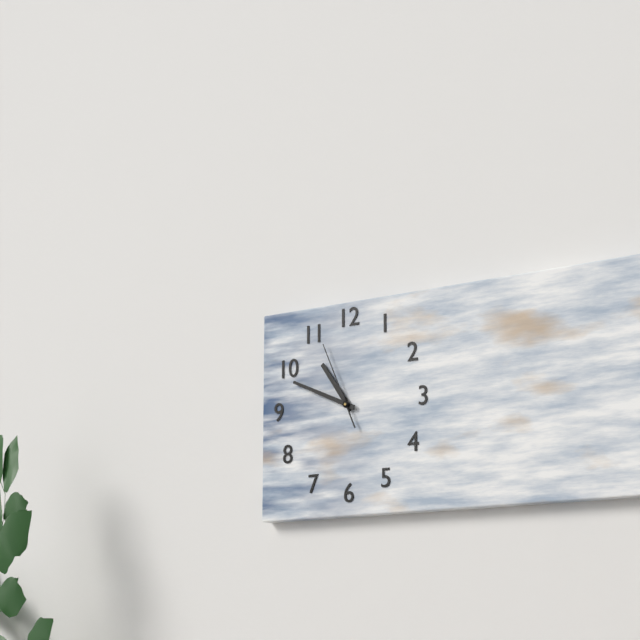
10.49.56
